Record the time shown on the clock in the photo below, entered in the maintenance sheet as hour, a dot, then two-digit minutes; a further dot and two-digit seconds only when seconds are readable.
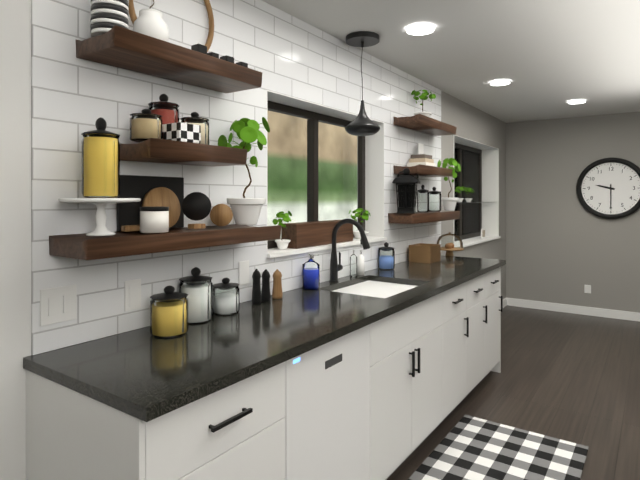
9.30
